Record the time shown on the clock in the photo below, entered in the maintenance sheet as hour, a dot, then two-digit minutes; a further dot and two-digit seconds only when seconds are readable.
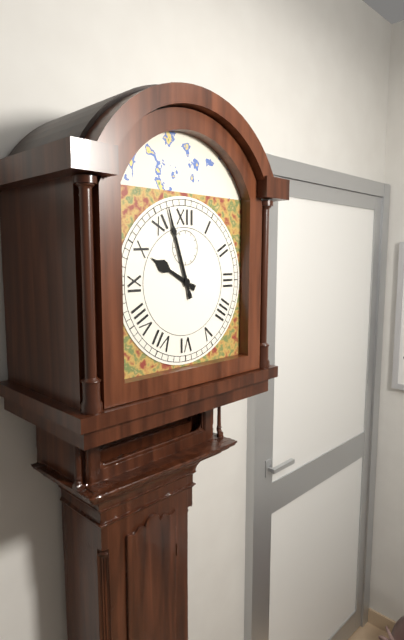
9.57
